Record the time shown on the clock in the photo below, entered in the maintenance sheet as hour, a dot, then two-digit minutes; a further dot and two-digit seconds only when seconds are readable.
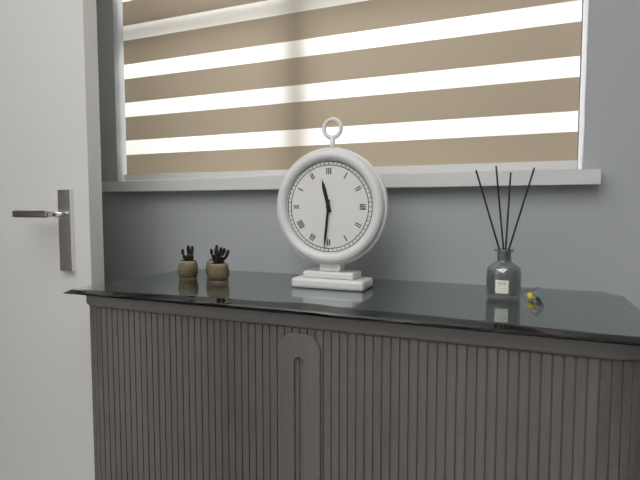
11.31
